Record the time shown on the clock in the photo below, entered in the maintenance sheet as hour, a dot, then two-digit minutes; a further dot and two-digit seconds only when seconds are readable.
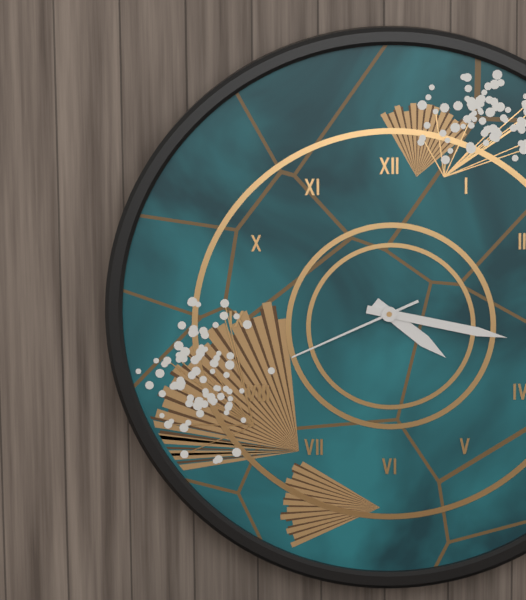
4.17.41
